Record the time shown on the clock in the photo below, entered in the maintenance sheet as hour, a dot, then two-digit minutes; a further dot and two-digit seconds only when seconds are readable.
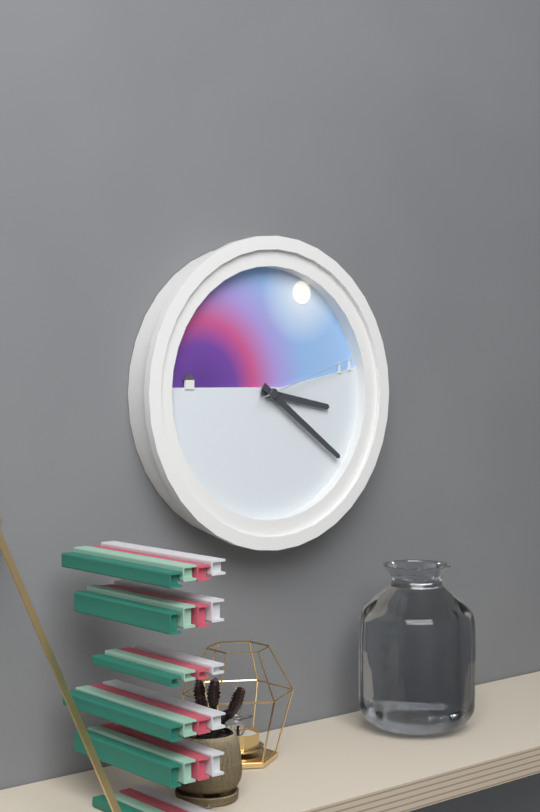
3.21.12
